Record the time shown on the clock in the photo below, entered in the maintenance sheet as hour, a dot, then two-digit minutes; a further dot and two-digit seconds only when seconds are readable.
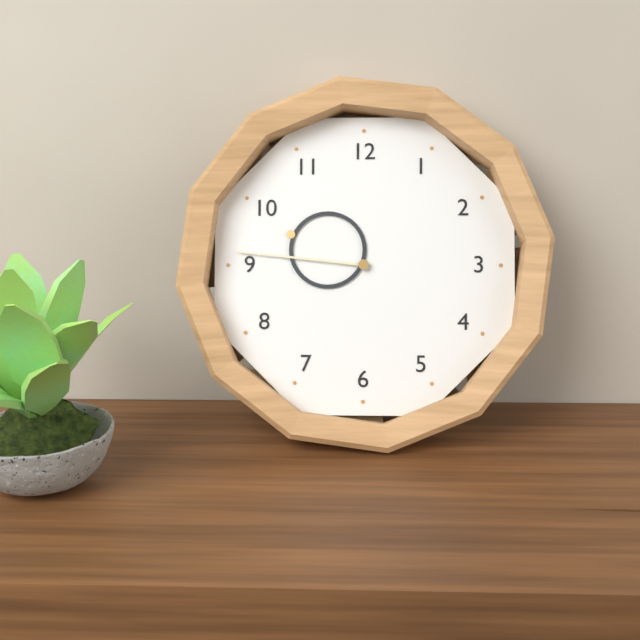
9.46
